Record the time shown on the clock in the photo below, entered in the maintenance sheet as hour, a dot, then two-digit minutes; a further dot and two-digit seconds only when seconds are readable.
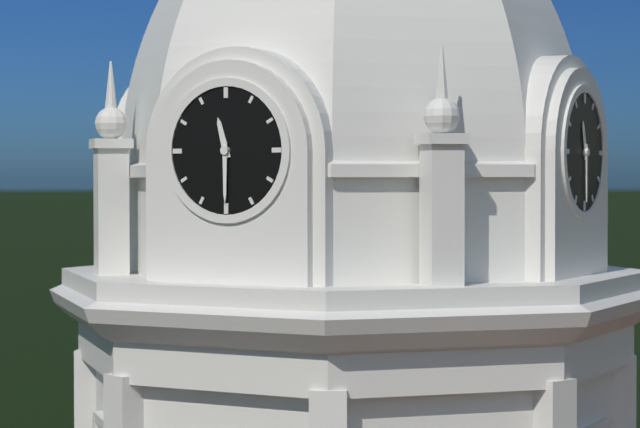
11.30
